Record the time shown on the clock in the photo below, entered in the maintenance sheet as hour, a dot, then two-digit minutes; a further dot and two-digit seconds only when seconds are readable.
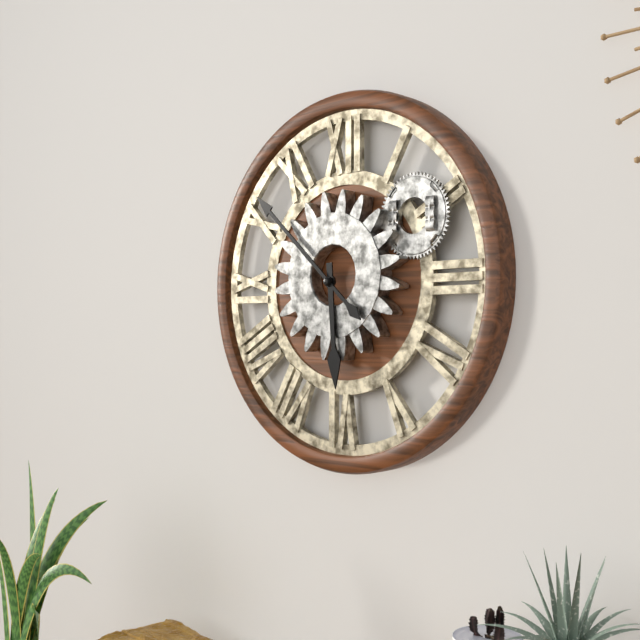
5.52
